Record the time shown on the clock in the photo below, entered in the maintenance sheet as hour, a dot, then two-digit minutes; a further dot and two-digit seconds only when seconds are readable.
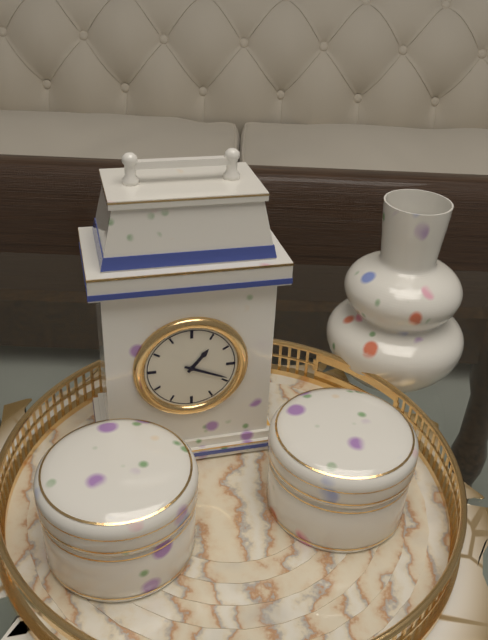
1.19
